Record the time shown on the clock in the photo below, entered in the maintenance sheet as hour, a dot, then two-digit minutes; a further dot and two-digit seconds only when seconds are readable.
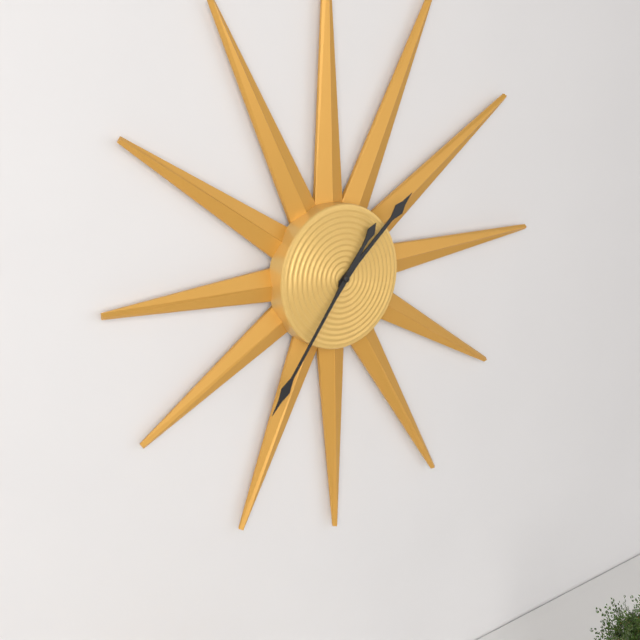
1.36
